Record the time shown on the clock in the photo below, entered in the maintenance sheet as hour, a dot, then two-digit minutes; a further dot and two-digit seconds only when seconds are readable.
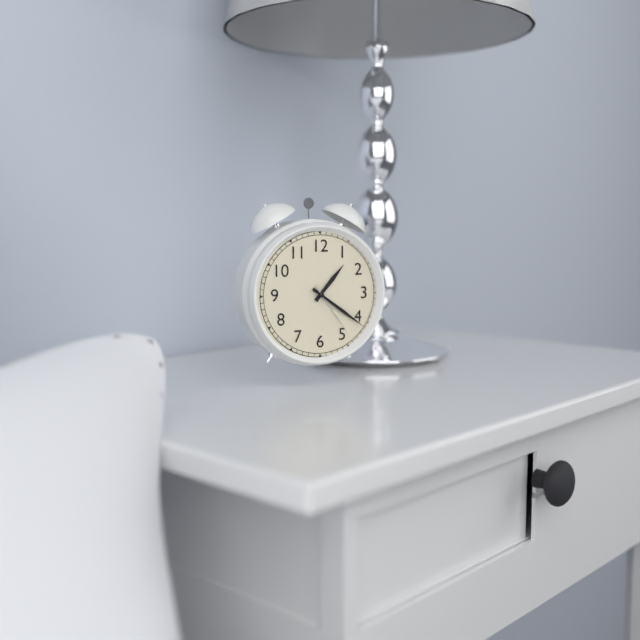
1.21.24
